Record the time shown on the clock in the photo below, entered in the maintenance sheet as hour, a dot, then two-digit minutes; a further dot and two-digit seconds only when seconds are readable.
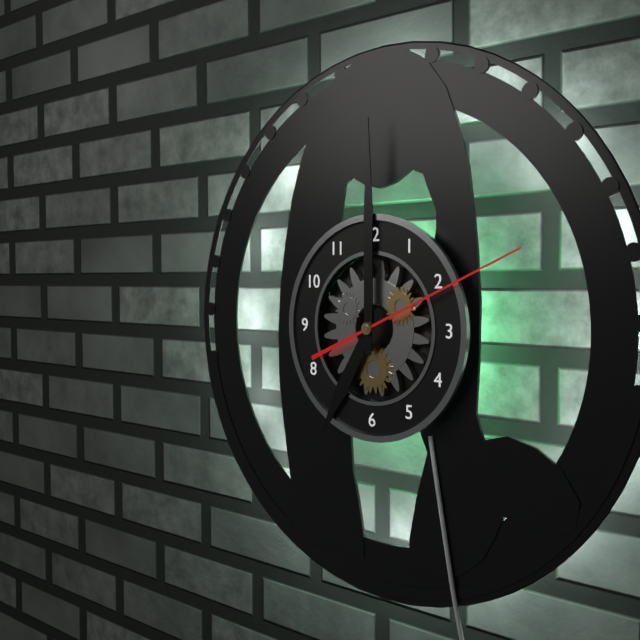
7.00.11
